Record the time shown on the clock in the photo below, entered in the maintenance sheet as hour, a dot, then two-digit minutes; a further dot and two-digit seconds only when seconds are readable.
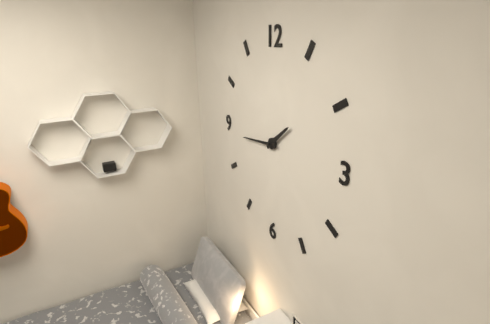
1.44
